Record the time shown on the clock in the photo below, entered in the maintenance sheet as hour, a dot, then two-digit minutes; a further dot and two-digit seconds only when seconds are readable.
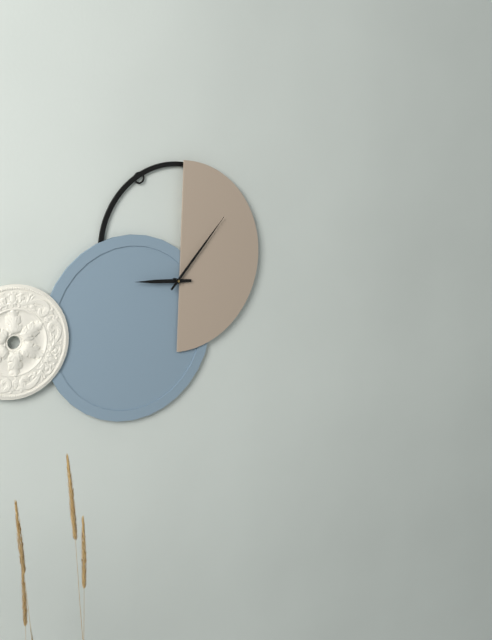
9.07
